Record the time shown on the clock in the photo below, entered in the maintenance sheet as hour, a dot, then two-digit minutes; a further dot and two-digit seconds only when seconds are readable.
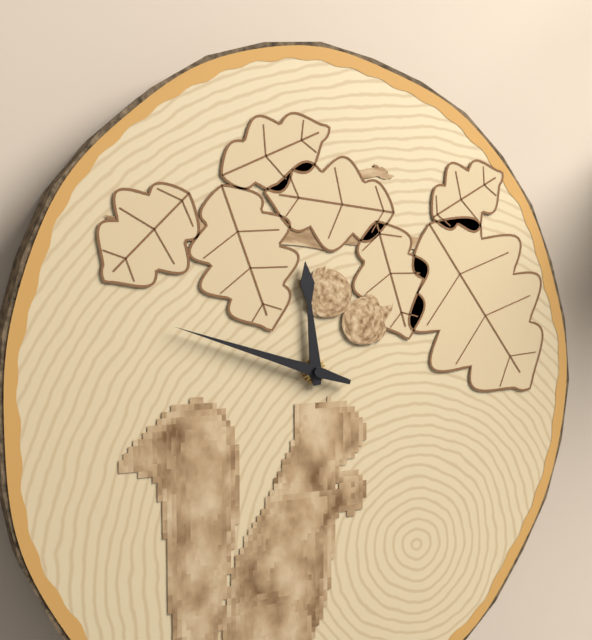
11.48
